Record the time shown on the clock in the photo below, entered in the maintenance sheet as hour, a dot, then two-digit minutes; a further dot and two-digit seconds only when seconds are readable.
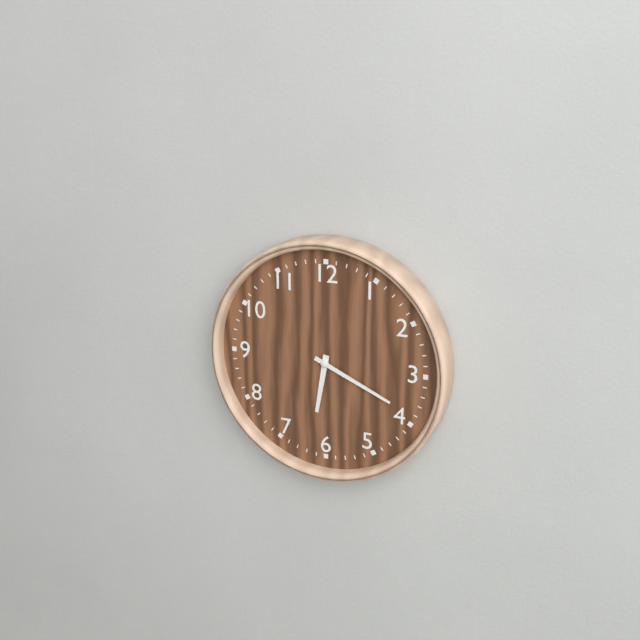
6.19
